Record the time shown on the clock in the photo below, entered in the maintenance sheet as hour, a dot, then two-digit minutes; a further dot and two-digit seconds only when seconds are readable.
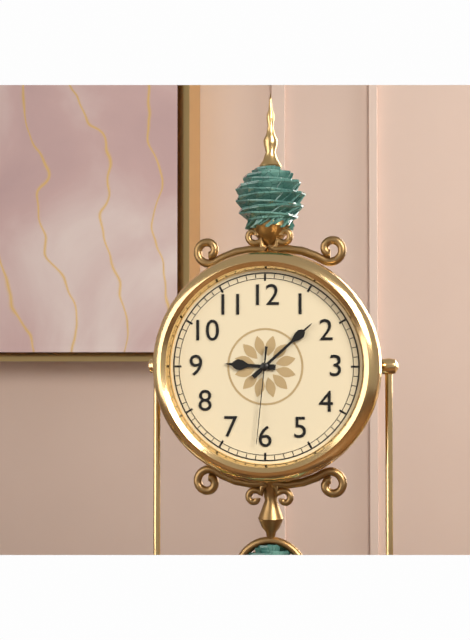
9.08.31
